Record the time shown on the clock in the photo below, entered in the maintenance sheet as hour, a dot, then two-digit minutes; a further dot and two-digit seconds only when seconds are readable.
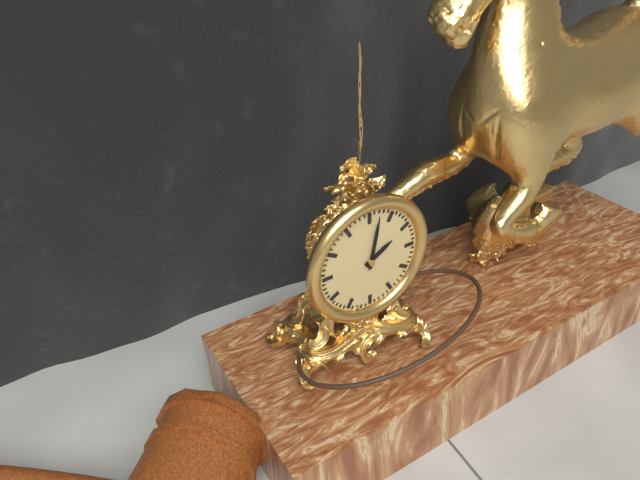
2.02
